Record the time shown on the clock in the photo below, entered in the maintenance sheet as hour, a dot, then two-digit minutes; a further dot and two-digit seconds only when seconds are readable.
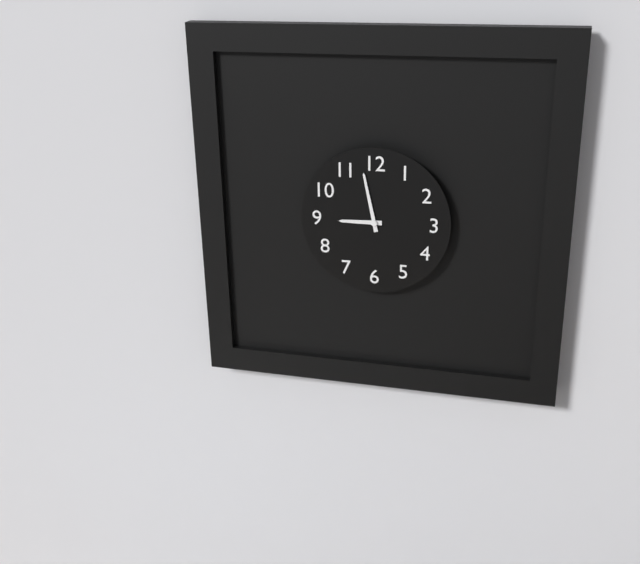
8.58
